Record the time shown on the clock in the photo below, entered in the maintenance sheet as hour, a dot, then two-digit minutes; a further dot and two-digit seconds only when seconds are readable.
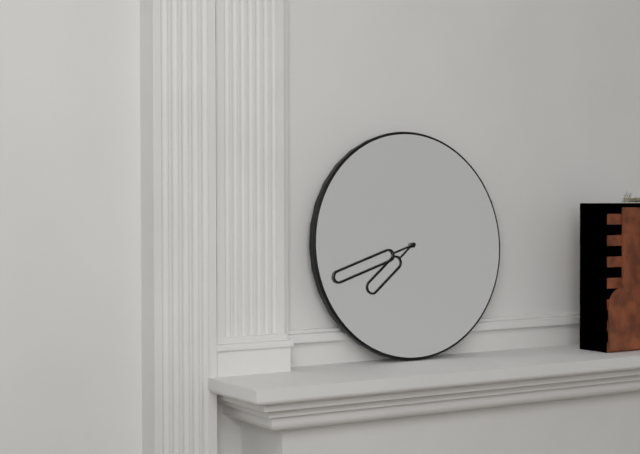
7.42
